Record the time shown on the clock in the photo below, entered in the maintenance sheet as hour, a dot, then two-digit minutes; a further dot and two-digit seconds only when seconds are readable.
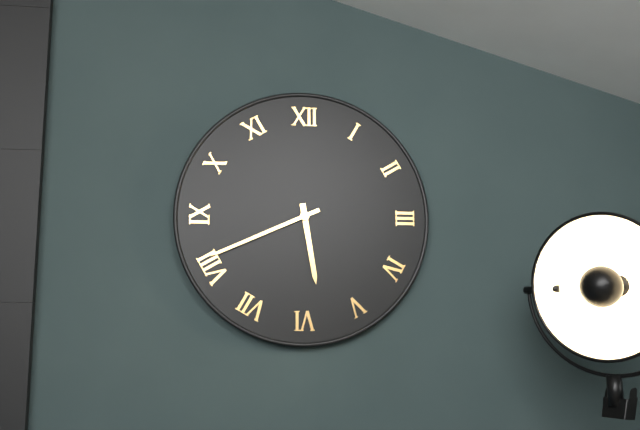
5.41
